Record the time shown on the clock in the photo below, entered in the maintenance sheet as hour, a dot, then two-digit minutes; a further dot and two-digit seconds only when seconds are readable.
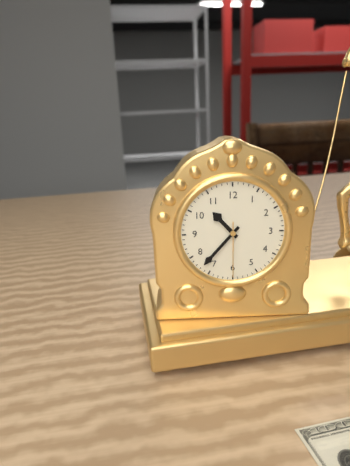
10.37.30
